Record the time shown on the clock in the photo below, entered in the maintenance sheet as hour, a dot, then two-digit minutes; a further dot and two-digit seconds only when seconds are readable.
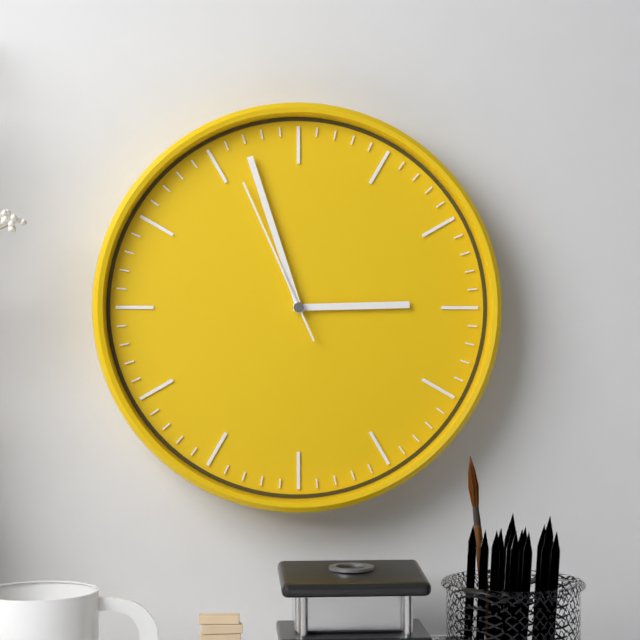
2.57.56
